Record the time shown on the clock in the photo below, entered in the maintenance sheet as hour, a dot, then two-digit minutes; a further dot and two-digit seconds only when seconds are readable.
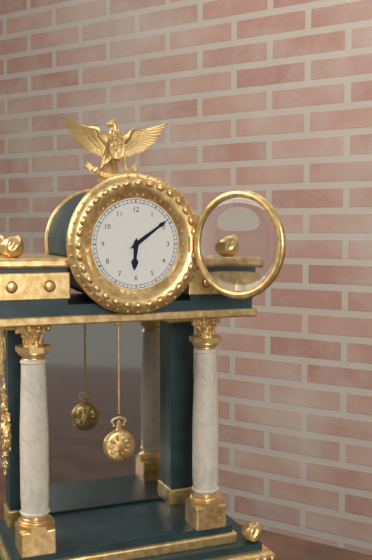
6.09
